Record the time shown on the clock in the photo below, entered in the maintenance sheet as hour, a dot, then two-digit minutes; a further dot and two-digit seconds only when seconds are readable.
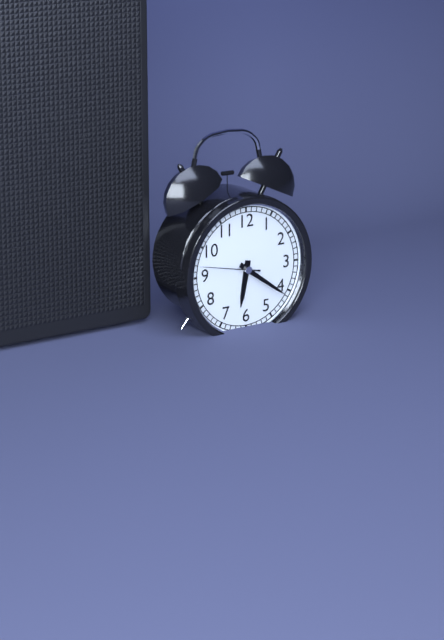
6.21.47
